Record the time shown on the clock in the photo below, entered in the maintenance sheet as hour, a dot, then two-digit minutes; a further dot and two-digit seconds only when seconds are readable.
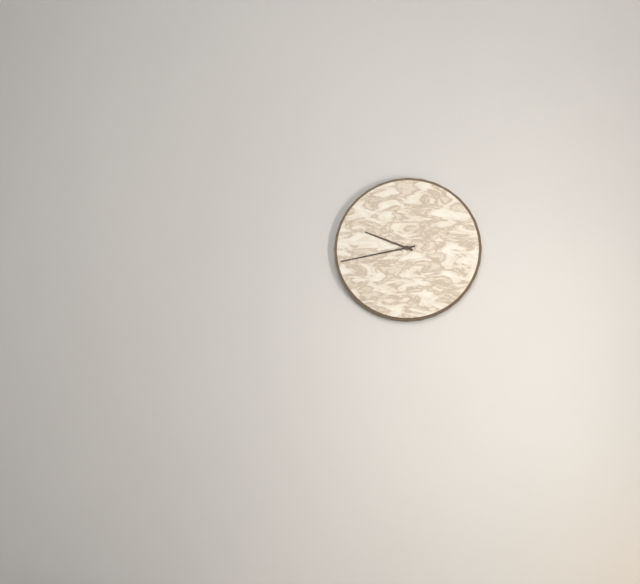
9.43
